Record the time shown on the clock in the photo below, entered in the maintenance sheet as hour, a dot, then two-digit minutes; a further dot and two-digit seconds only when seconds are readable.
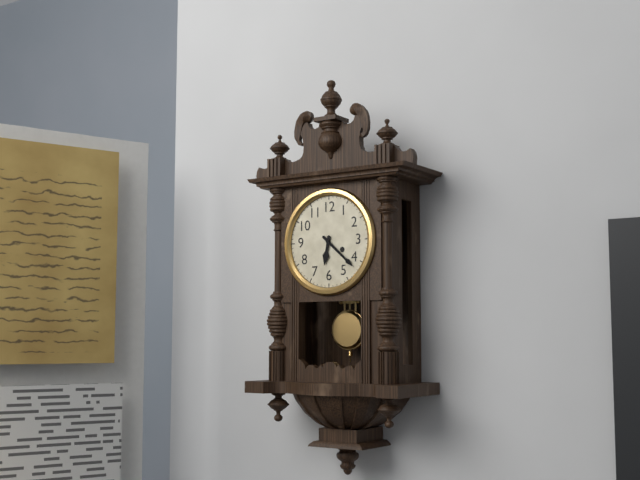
6.22
